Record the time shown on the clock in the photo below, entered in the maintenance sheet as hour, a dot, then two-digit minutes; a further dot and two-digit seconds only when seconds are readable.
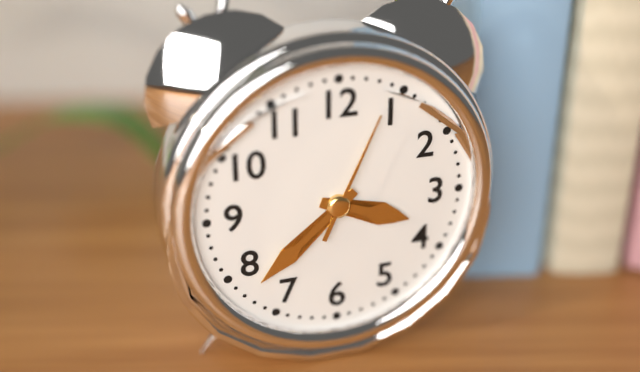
3.38.04
